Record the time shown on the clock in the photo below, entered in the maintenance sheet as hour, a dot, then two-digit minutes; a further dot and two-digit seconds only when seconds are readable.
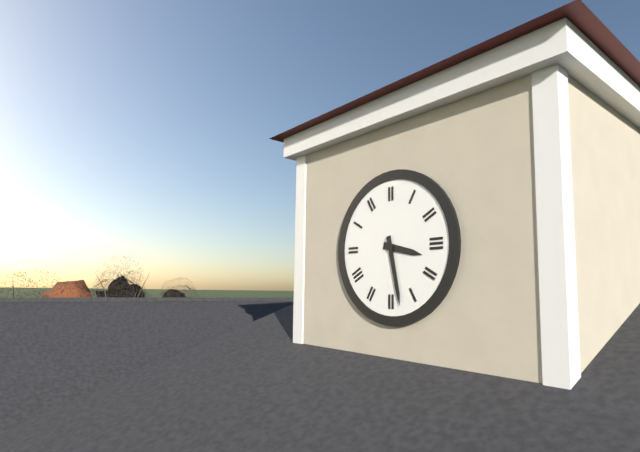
3.28
